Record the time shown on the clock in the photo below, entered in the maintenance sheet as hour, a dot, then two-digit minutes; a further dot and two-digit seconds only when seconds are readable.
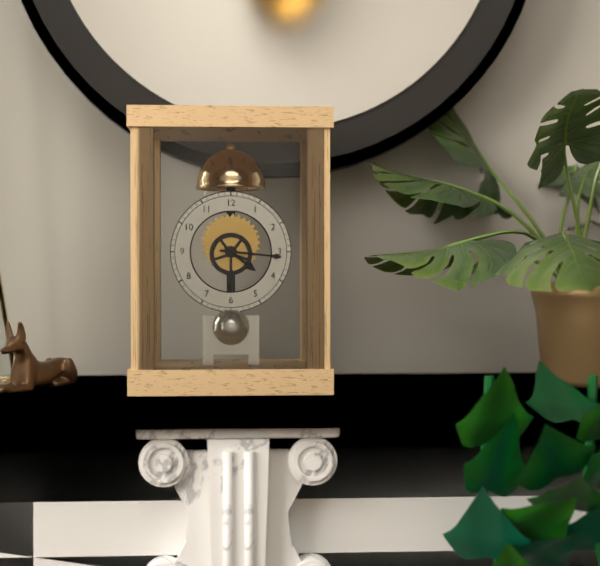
4.16
